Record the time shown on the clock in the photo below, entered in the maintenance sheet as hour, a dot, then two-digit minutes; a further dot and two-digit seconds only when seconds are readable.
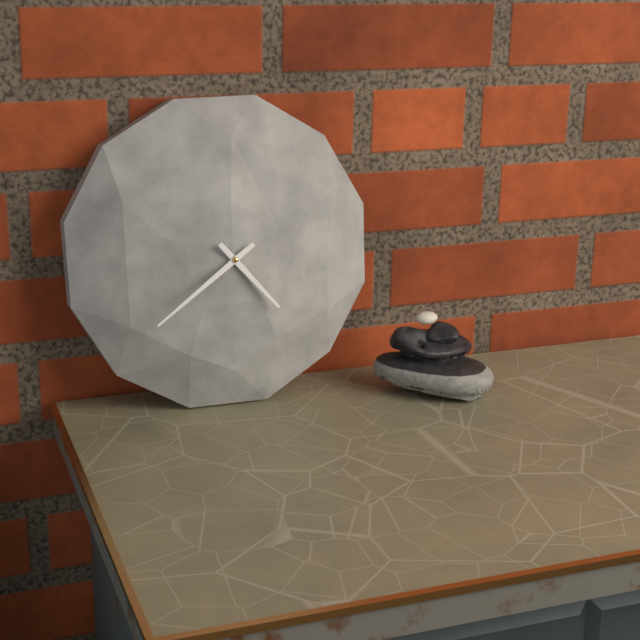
4.39
